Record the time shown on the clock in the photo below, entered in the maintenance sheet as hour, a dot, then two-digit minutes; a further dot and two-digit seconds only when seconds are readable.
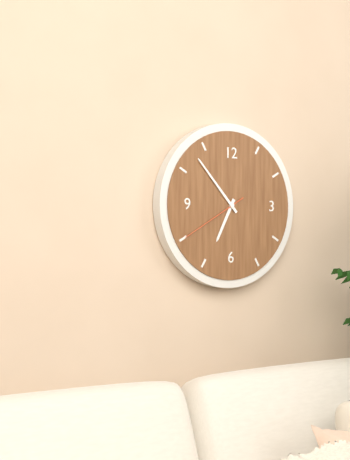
6.53.40
